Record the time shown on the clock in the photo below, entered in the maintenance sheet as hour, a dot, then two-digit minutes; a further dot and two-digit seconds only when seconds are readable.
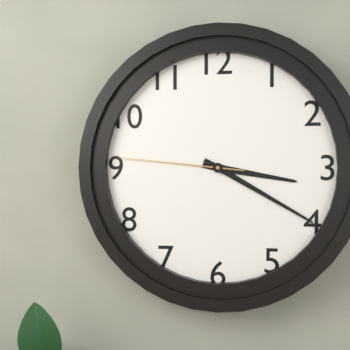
3.20.46
